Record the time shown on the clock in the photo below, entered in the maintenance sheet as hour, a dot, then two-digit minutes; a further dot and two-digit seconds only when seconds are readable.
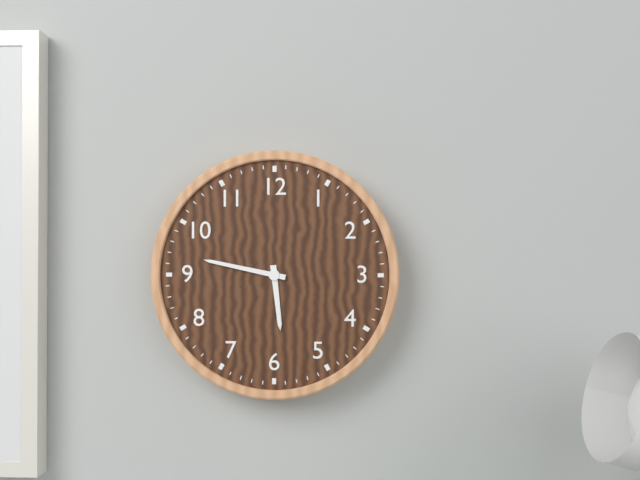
5.47
